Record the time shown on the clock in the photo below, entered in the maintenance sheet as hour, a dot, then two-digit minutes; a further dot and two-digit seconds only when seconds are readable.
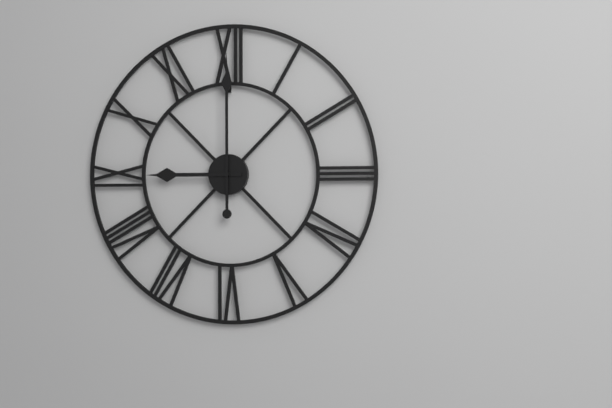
9.00
